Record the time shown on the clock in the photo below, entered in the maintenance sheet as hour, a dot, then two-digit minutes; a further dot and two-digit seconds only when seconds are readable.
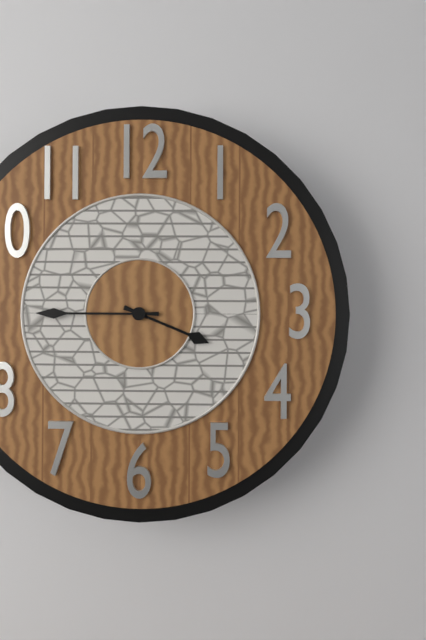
3.45
